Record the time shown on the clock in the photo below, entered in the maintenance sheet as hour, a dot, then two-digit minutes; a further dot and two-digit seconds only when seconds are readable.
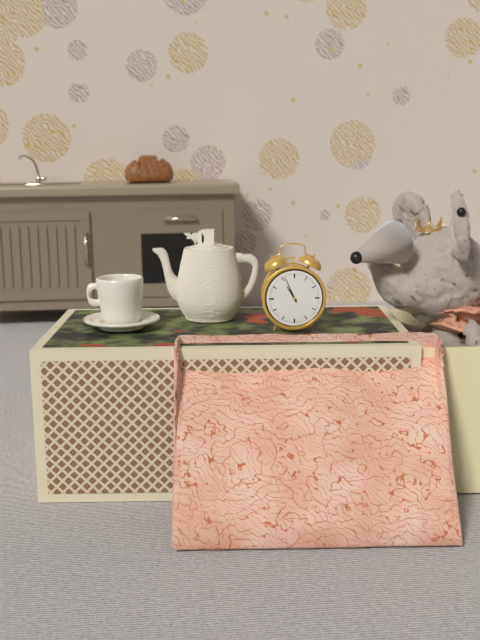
10.56
